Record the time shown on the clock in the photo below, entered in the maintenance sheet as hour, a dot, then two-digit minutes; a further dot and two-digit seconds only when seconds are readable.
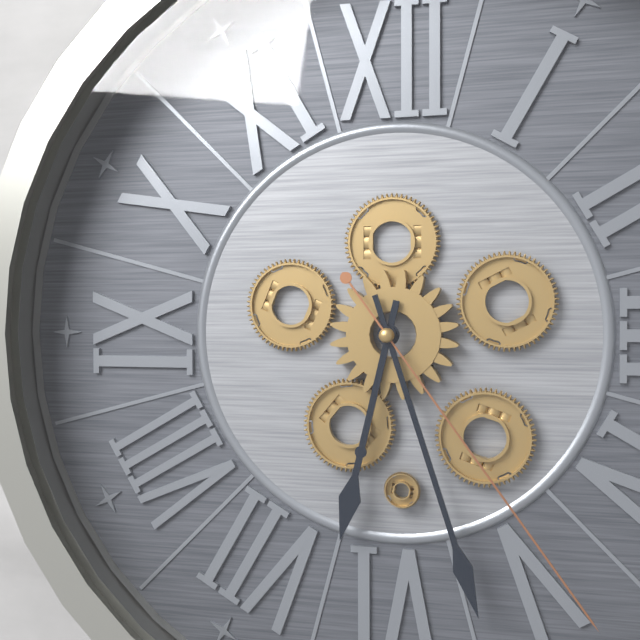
6.27.24
